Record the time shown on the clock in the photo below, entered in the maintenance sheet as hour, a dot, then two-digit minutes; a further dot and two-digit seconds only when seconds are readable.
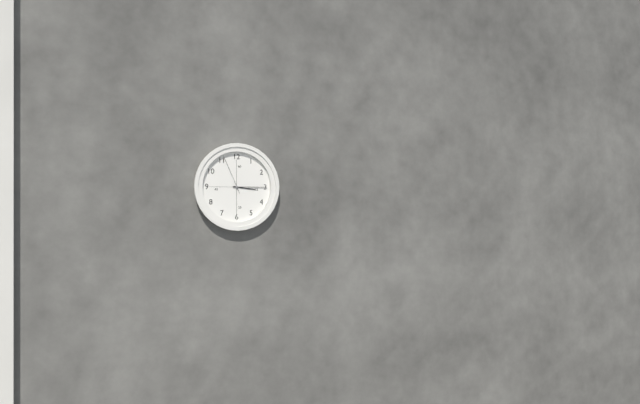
3.15
